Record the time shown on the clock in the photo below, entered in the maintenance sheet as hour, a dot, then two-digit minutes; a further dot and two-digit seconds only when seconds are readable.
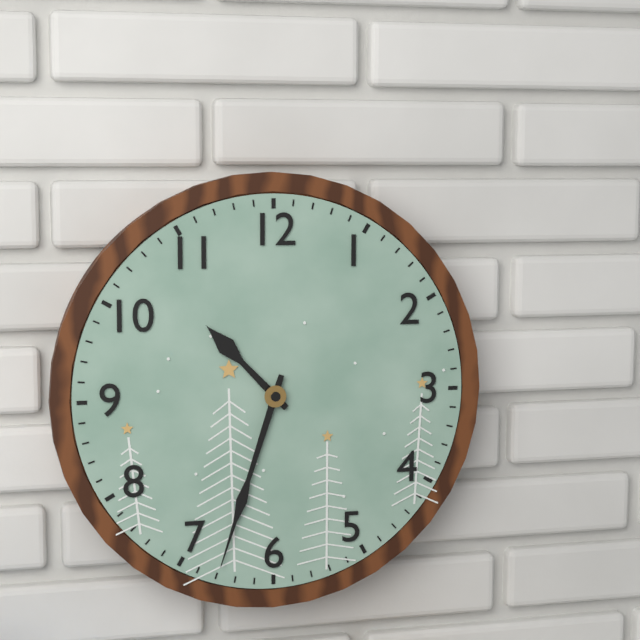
10.33
